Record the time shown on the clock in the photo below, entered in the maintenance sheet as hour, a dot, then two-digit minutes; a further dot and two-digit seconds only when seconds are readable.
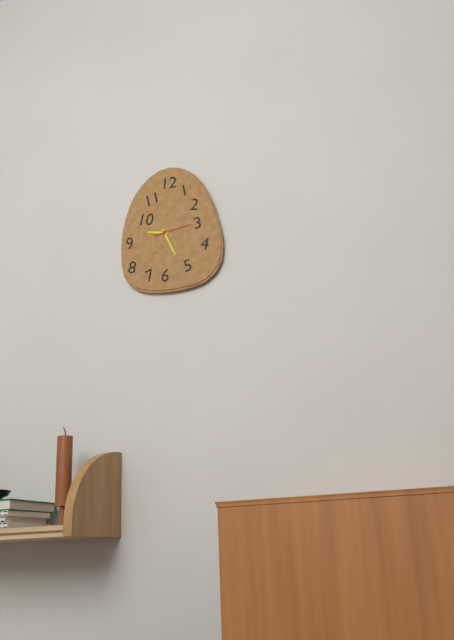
9.26
